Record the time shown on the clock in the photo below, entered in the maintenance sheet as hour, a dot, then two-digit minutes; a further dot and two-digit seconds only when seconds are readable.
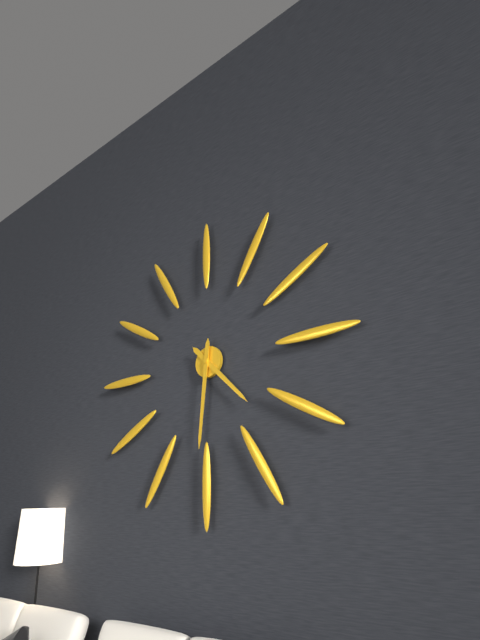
4.31
